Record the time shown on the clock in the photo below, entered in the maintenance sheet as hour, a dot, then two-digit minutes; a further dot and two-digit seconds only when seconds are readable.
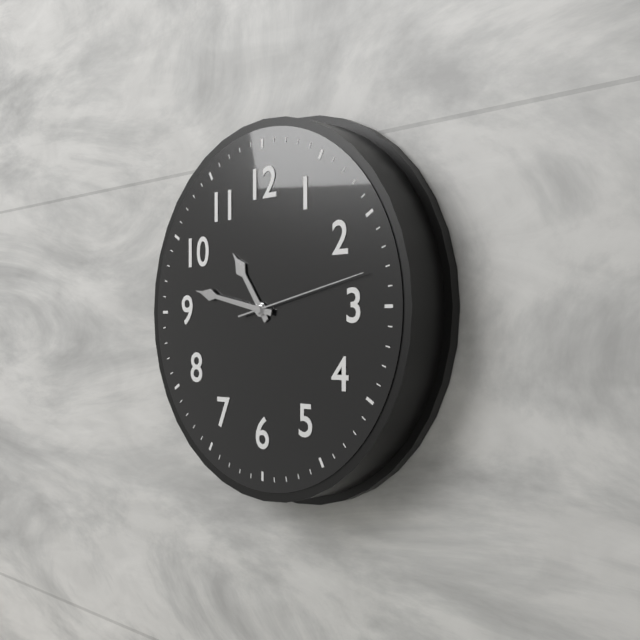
10.47.13
